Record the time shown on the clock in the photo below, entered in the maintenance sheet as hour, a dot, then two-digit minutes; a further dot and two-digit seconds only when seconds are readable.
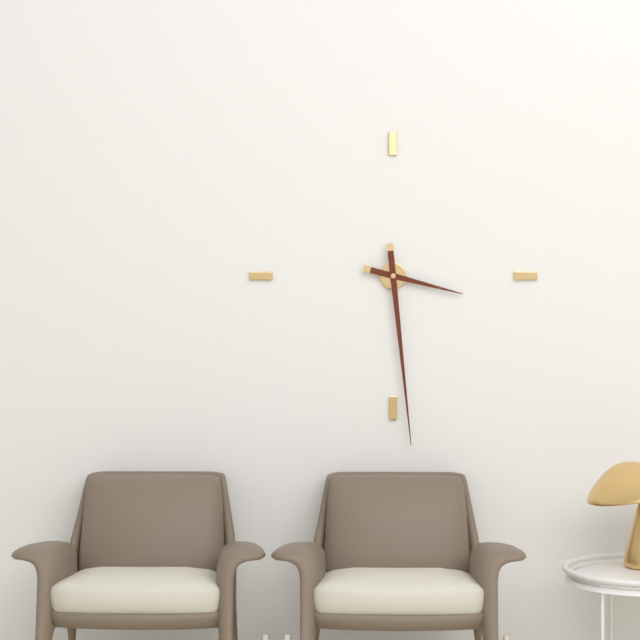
3.29
